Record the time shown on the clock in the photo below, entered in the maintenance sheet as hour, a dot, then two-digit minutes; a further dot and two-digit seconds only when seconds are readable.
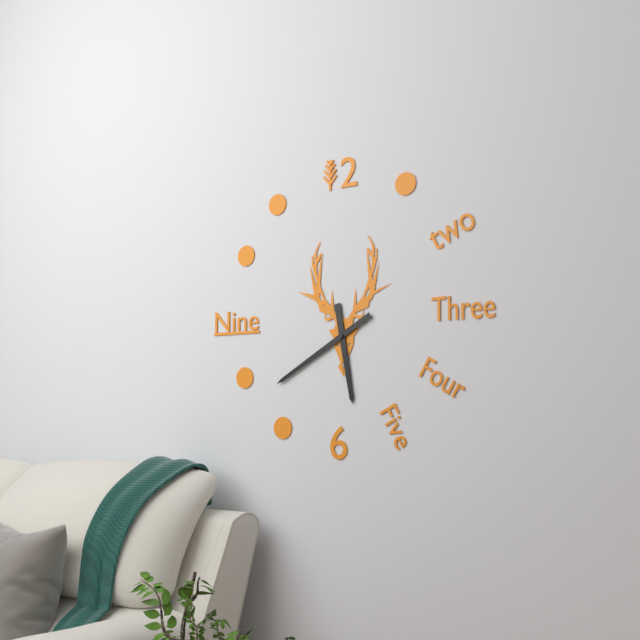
5.40
